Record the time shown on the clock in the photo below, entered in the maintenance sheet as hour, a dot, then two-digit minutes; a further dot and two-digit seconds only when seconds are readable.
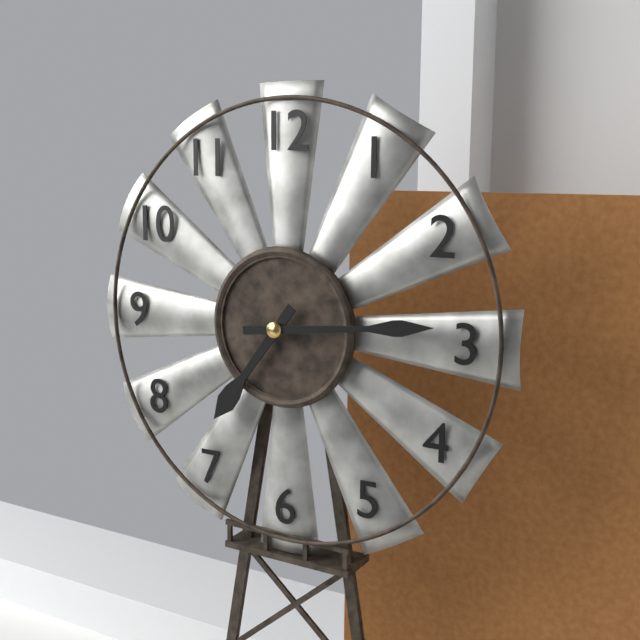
7.14
